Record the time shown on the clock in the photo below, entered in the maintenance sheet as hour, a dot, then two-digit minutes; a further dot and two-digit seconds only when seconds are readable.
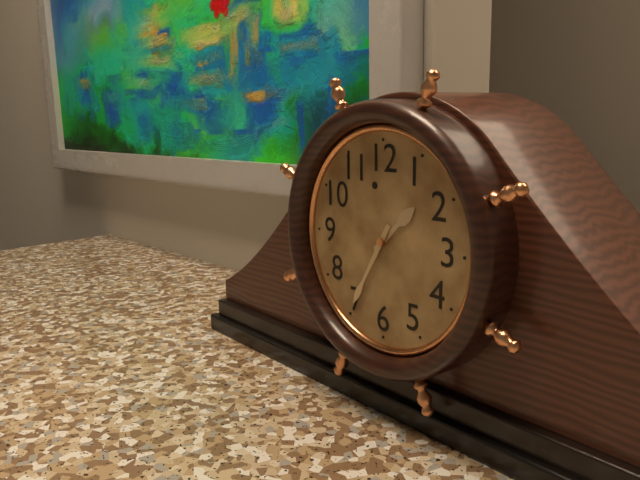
1.35
